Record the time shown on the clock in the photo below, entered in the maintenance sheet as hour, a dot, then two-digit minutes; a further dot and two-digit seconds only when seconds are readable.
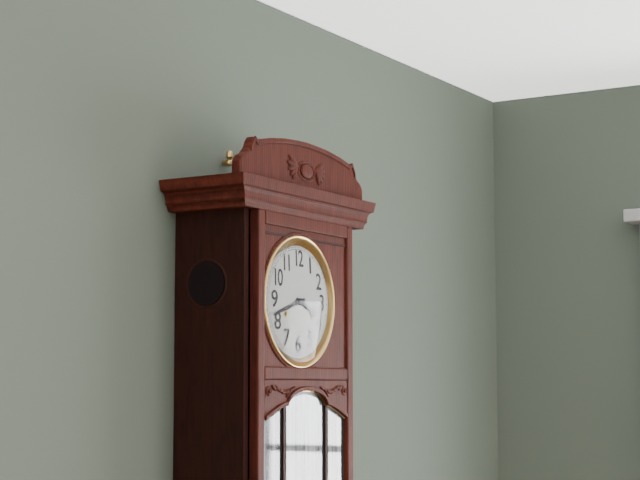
3.42
